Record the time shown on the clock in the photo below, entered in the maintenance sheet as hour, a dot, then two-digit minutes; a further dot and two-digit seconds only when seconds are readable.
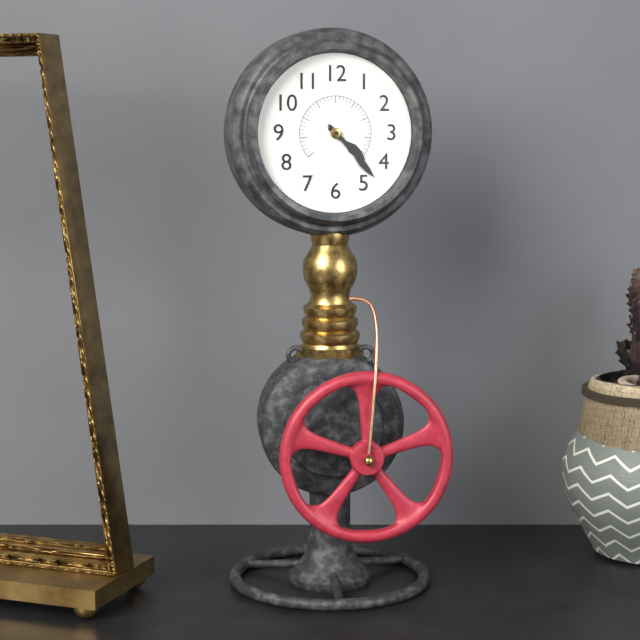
4.23
